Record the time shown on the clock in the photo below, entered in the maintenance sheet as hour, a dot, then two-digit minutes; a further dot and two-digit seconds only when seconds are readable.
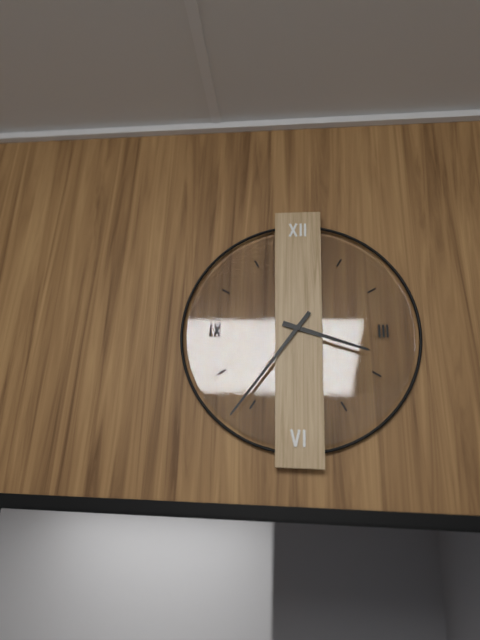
3.36
